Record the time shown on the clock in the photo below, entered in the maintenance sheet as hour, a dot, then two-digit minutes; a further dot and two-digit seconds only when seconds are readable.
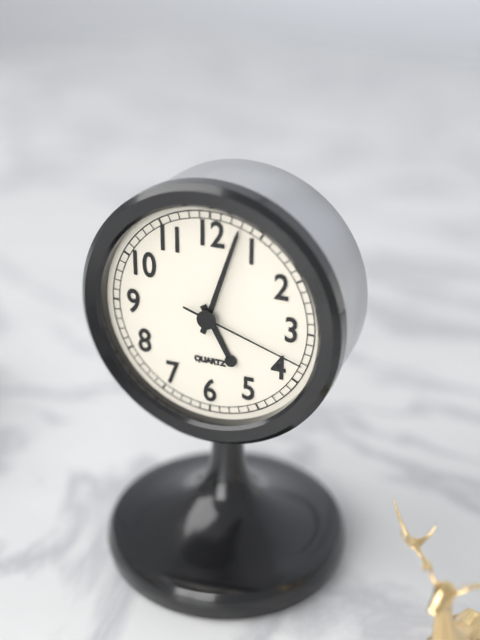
5.03.18
